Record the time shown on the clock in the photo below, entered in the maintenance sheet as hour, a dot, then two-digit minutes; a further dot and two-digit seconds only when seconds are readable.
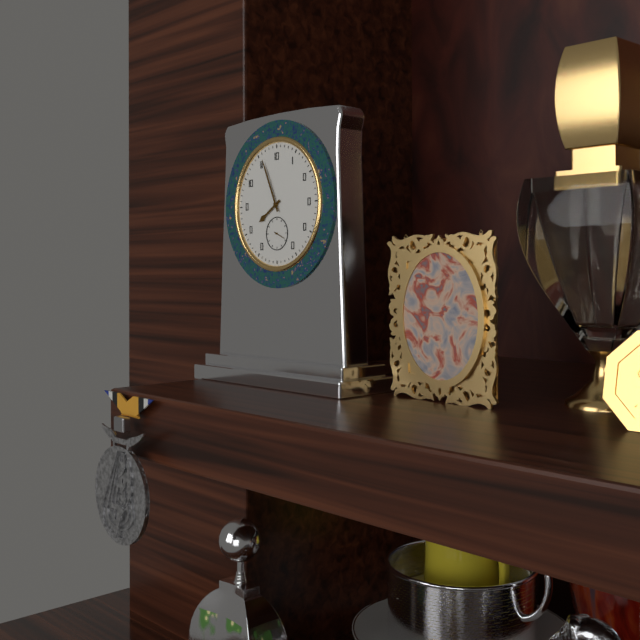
7.56
